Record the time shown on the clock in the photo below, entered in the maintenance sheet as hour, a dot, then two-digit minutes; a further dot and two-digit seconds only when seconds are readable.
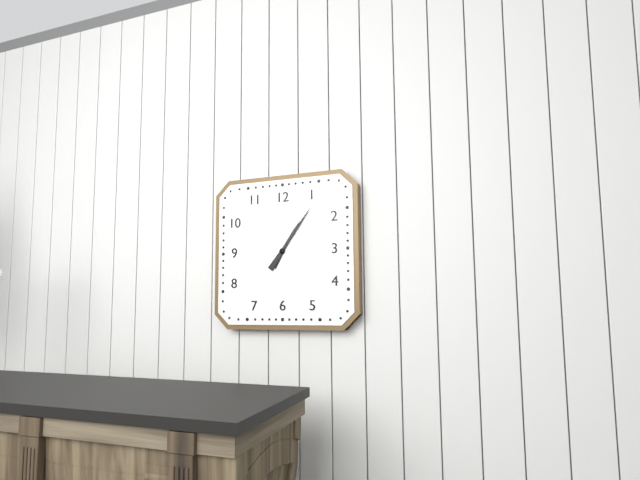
1.06
